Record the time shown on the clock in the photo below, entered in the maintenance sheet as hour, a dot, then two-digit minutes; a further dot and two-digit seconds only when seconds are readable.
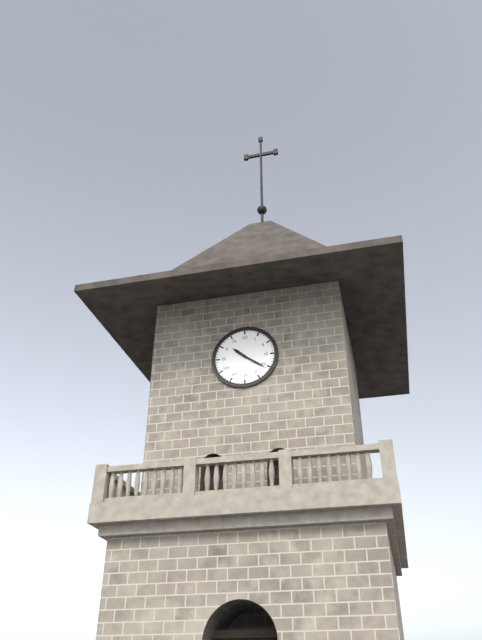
10.21
